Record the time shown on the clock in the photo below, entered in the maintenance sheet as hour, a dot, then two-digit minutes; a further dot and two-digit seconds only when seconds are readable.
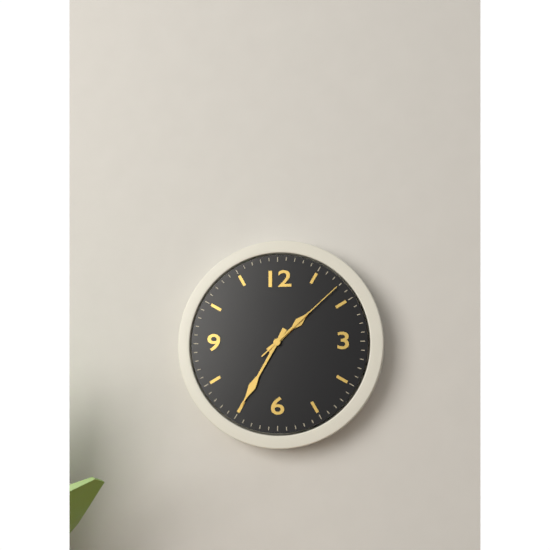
1.35.08
